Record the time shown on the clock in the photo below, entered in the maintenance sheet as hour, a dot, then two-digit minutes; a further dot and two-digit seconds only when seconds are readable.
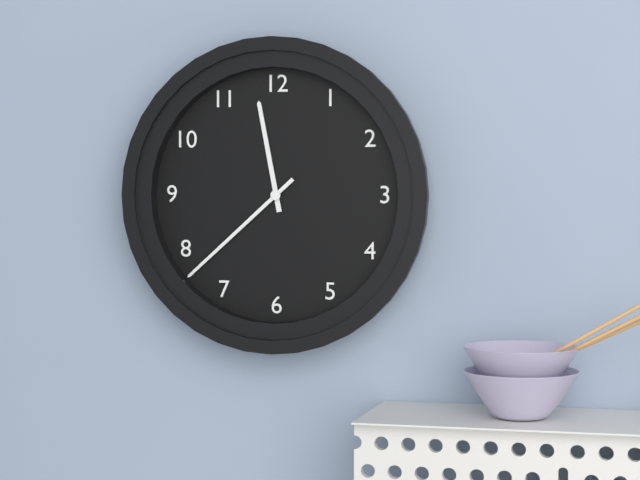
11.38
